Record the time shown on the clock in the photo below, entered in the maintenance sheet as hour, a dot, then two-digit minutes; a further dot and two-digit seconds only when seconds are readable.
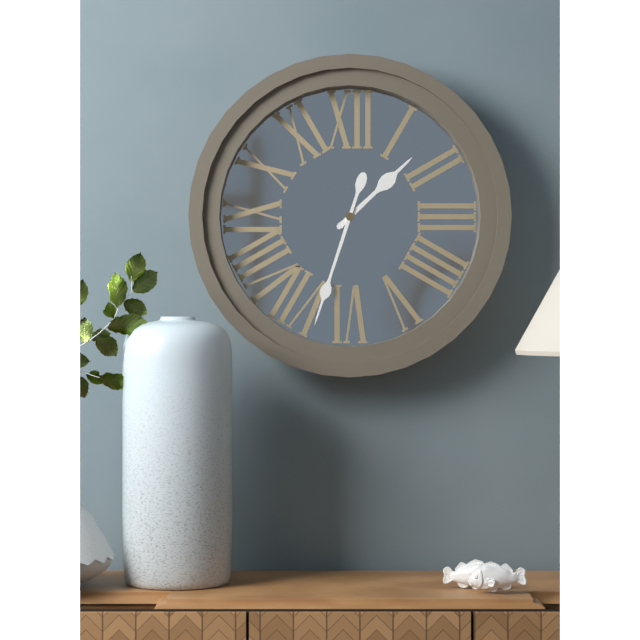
1.33
